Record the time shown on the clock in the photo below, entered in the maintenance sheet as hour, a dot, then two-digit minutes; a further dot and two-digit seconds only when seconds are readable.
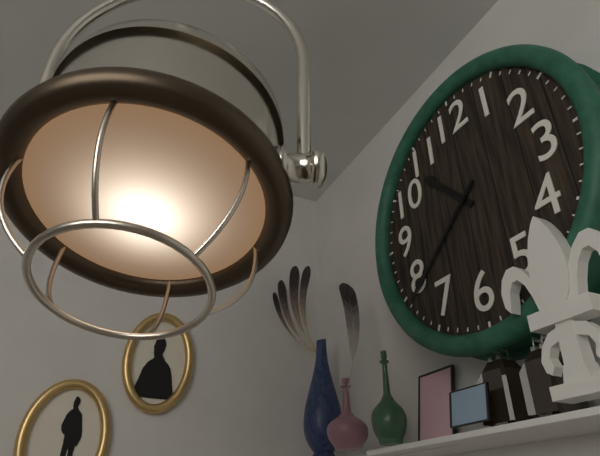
10.39
